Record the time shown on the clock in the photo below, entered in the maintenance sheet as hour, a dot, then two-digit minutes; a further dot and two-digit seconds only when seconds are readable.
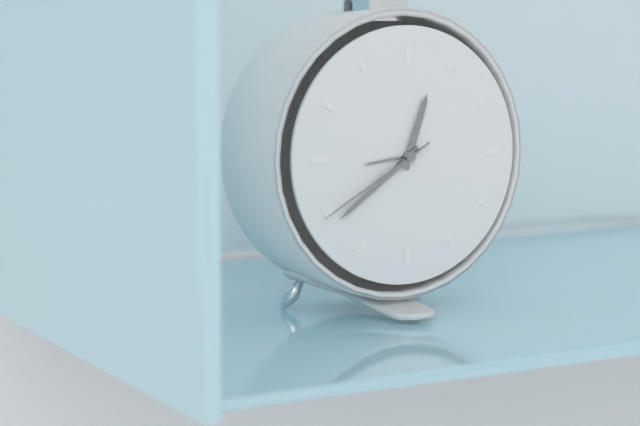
12.39.40
